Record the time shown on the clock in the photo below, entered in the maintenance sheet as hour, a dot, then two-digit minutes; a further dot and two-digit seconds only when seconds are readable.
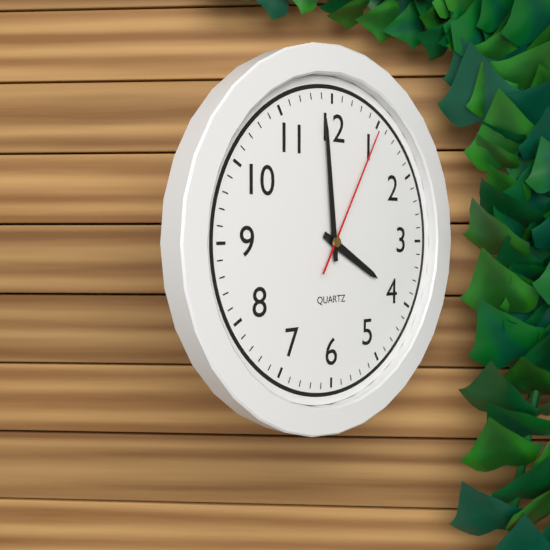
3.59.05
